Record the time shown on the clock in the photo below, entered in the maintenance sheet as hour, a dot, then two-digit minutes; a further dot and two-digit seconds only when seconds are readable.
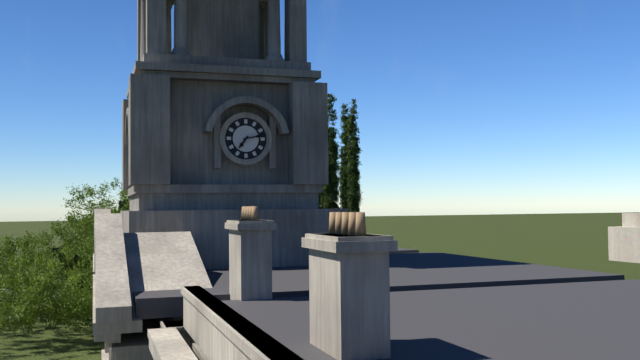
7.13
